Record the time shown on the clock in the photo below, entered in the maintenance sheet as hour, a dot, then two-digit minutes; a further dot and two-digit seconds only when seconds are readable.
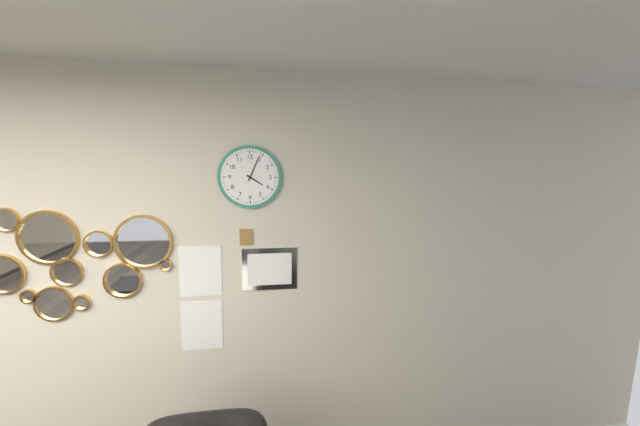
4.04
